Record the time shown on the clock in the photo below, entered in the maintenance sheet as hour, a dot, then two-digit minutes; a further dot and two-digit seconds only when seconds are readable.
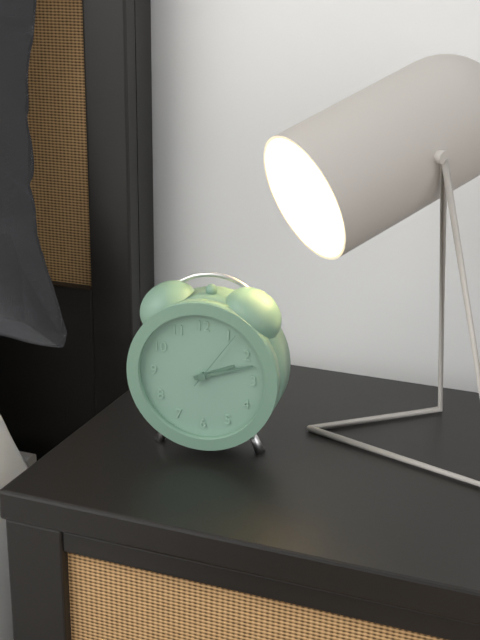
2.12.06
